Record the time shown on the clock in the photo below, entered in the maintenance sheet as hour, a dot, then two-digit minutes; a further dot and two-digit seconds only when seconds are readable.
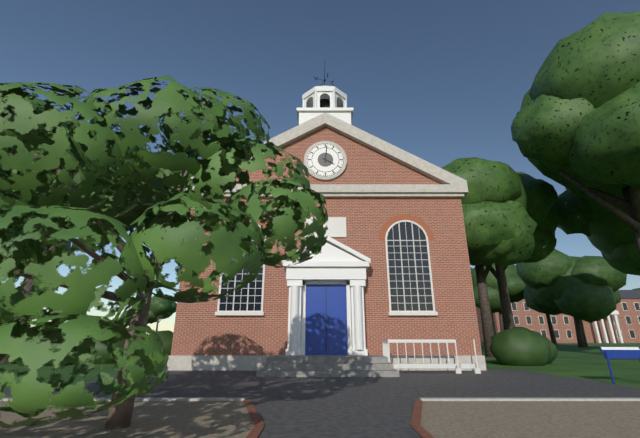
4.01
